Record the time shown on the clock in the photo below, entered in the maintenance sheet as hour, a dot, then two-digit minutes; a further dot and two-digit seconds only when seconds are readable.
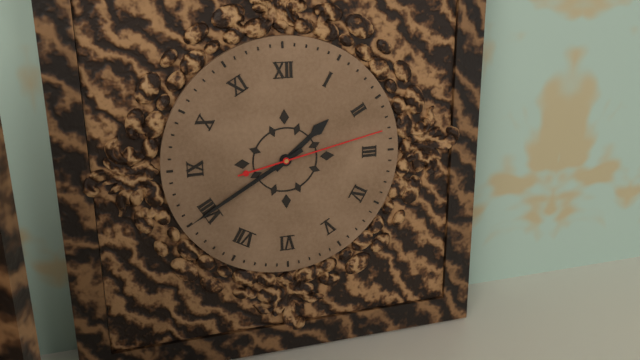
1.40.13
